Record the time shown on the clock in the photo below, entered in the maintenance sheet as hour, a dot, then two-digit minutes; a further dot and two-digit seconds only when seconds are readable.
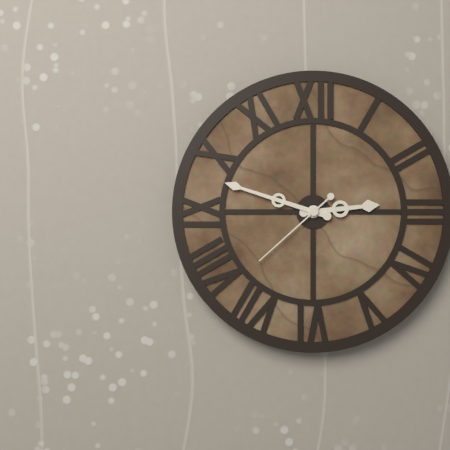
2.48.38
